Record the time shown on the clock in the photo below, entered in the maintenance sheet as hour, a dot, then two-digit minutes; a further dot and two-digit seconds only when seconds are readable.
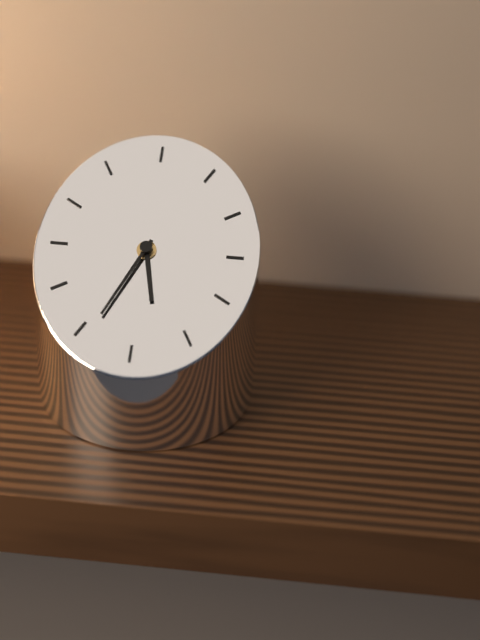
5.34
